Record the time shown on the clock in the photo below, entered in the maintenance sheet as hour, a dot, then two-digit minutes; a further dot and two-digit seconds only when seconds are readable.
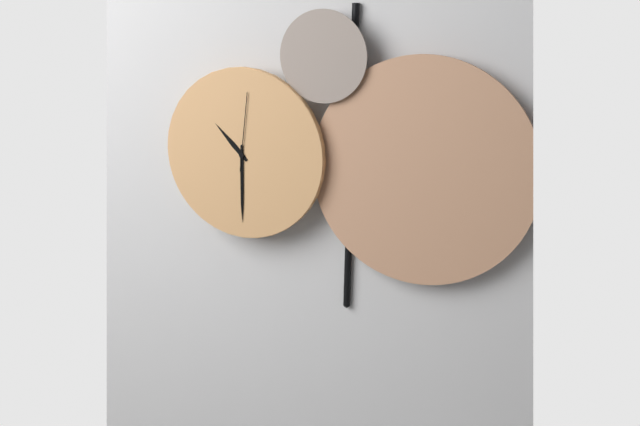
10.30.01
